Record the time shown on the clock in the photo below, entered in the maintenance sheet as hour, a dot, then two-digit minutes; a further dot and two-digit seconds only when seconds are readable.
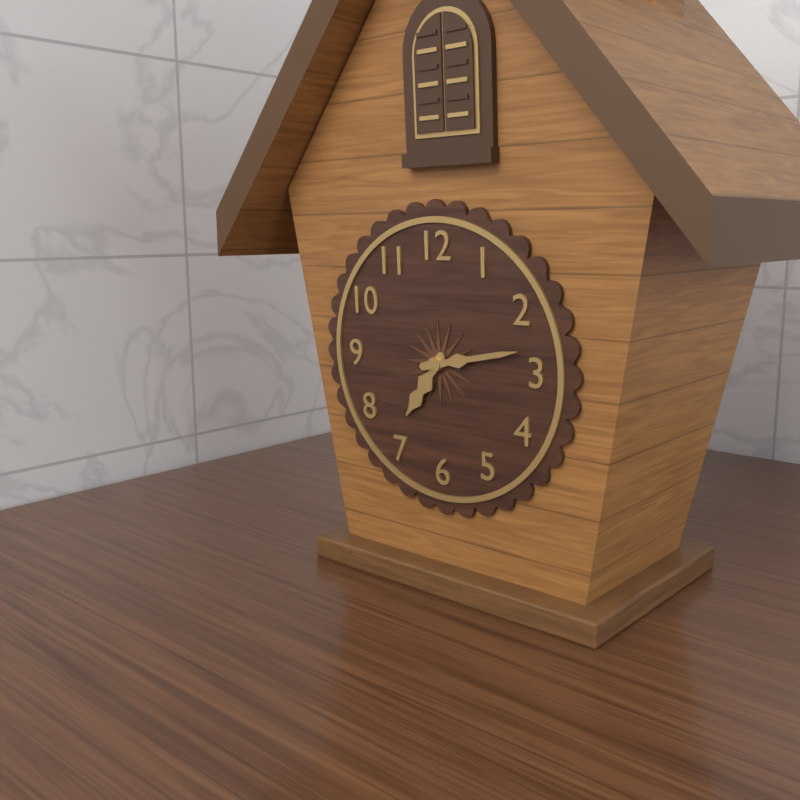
7.13
